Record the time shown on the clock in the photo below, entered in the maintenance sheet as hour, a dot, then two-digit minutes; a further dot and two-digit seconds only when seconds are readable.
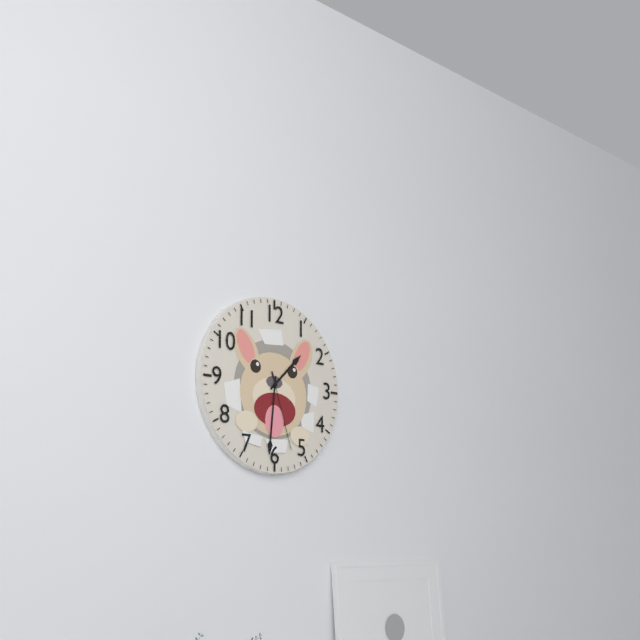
1.31.27
